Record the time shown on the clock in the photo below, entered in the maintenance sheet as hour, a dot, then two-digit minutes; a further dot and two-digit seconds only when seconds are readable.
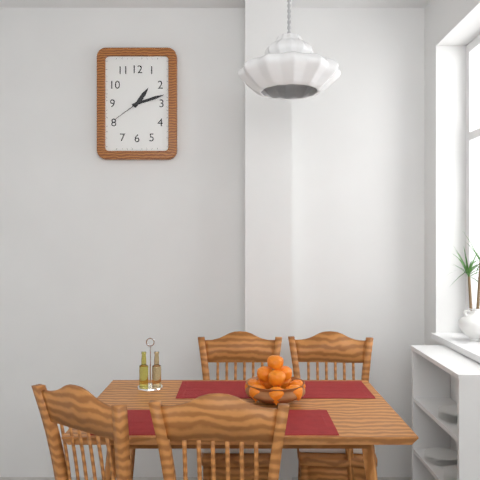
1.12
